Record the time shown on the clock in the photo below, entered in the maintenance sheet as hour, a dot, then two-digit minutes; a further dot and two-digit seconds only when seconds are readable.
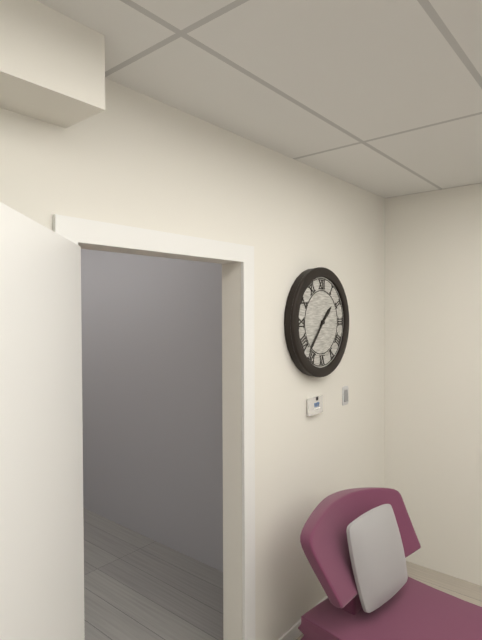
1.37
